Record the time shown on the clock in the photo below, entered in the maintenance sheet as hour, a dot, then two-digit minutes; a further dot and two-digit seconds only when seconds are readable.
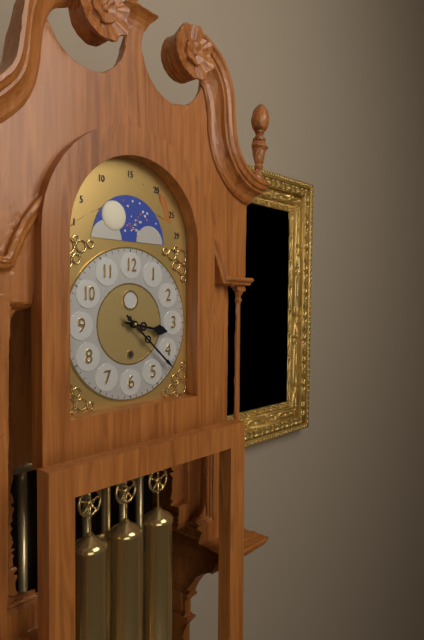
3.22
